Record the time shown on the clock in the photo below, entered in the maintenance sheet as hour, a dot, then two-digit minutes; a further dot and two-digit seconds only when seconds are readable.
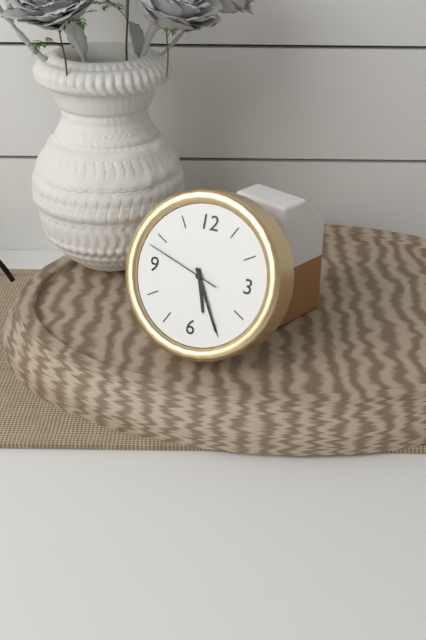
5.25.48
